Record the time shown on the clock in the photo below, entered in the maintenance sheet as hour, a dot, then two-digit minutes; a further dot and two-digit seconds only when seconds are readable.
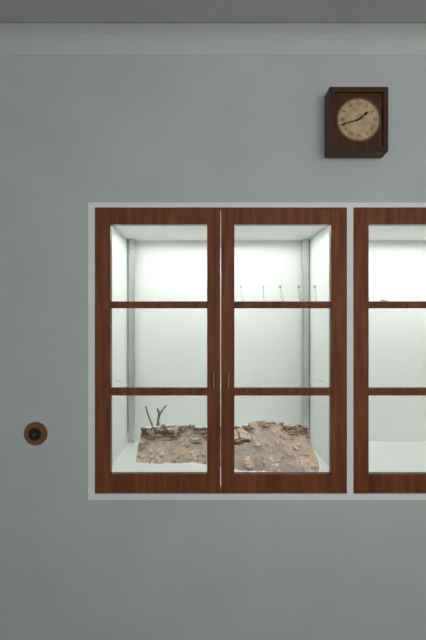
1.42
